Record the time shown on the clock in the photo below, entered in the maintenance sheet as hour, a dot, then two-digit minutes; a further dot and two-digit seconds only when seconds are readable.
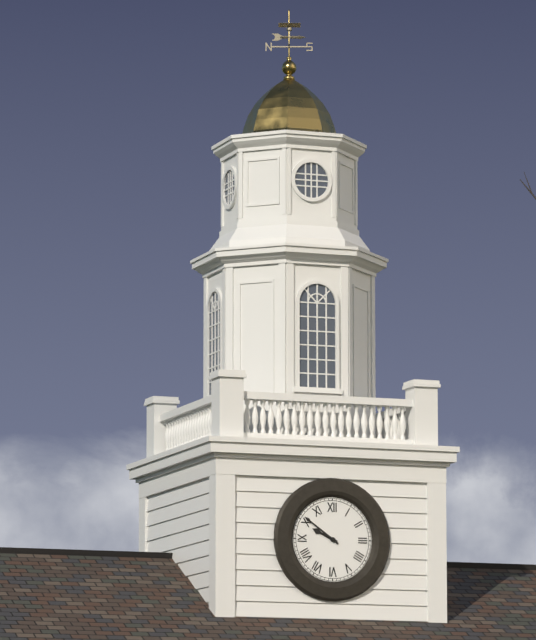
9.51
